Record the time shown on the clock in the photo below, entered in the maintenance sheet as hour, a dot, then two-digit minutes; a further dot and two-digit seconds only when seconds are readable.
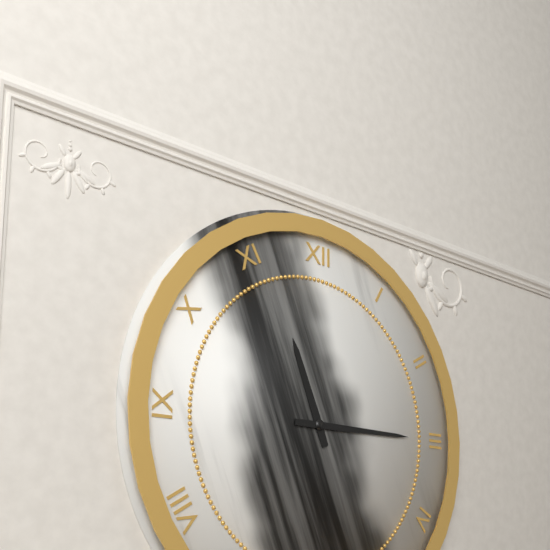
11.15
